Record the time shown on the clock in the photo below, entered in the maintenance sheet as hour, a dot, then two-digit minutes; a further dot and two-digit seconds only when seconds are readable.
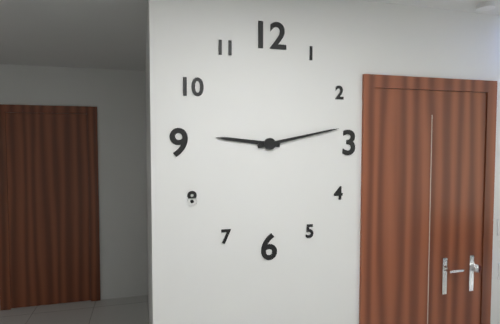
9.13
